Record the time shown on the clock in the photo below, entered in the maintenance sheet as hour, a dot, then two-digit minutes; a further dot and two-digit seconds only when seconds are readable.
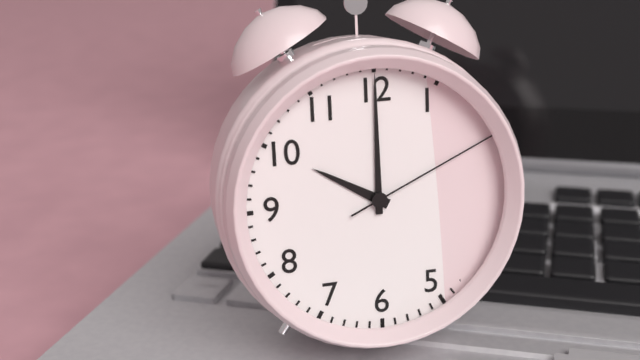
10.00.11
